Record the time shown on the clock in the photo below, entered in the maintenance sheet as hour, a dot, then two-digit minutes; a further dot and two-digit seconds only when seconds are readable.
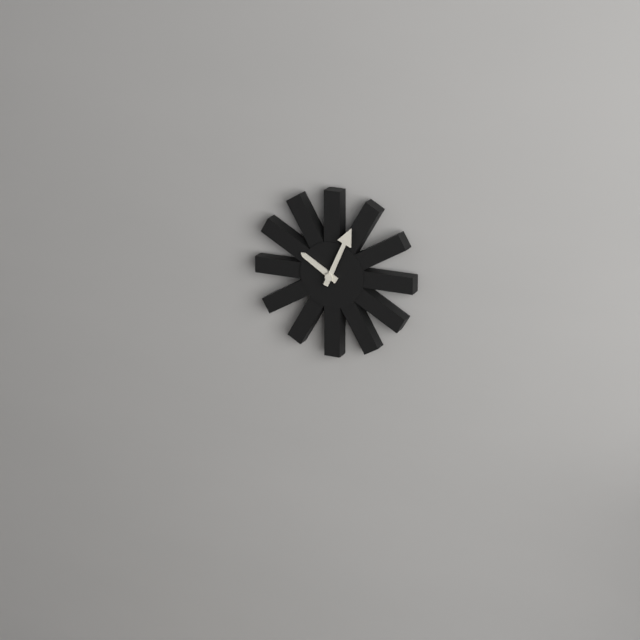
10.04
